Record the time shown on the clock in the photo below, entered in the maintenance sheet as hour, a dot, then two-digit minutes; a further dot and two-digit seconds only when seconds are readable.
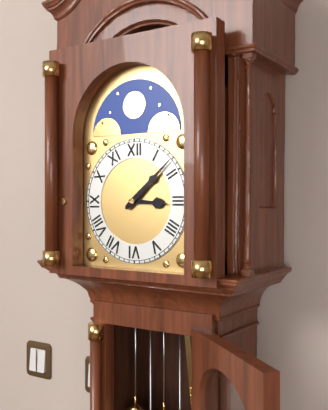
3.08
